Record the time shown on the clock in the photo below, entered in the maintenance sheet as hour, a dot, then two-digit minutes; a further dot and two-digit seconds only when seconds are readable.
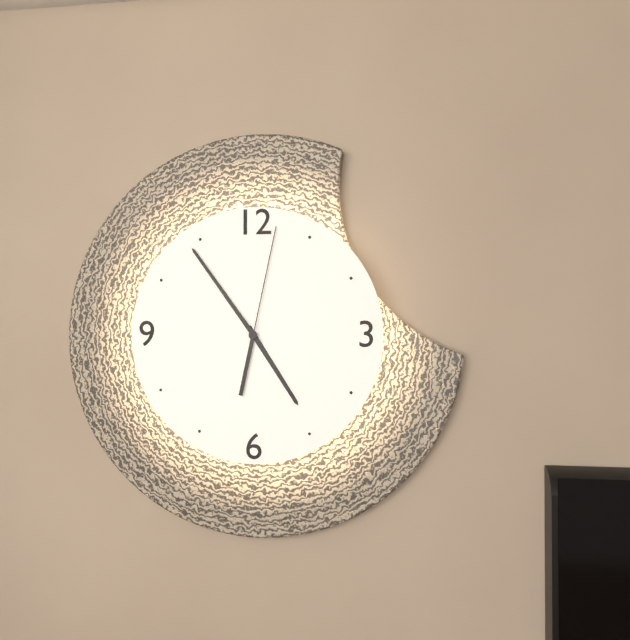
4.54.02
